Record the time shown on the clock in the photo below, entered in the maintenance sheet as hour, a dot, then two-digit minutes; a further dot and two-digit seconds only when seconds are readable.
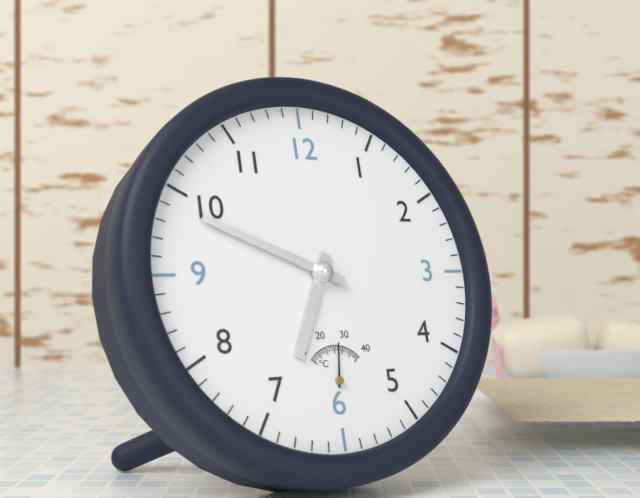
6.49
